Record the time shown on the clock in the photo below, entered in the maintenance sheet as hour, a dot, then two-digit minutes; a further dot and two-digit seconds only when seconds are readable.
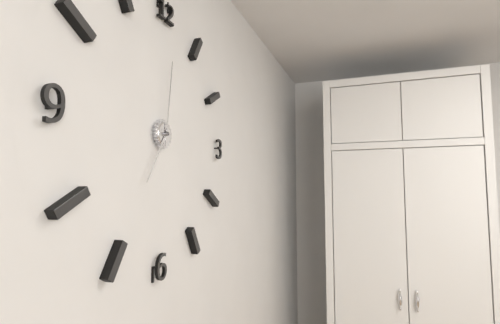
7.01
